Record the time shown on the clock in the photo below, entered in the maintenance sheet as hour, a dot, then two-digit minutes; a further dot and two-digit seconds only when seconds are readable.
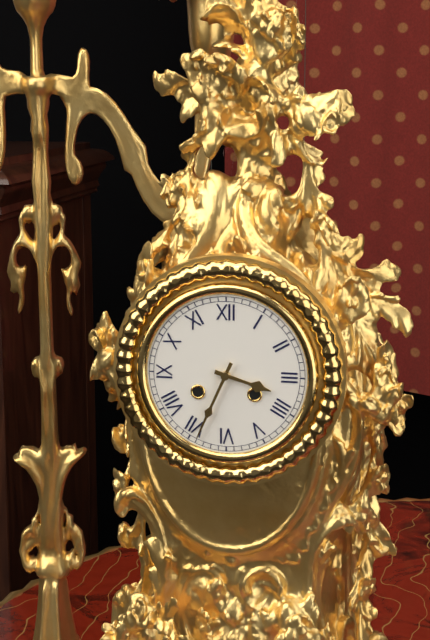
3.34
